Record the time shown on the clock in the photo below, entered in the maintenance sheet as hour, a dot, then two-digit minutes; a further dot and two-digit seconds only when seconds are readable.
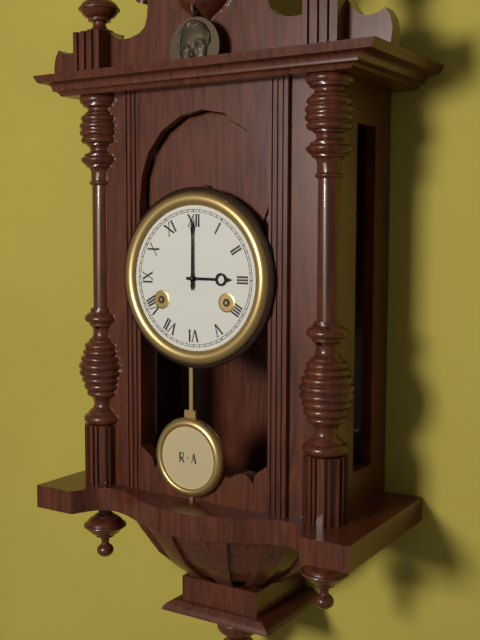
3.00
